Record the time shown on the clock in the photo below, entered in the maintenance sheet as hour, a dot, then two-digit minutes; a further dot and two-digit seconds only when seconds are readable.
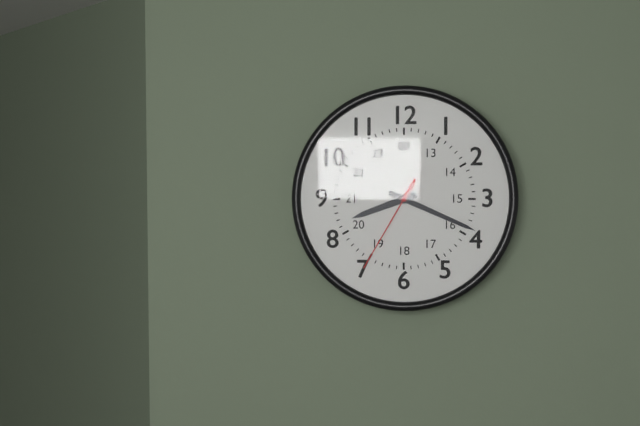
8.19.35
